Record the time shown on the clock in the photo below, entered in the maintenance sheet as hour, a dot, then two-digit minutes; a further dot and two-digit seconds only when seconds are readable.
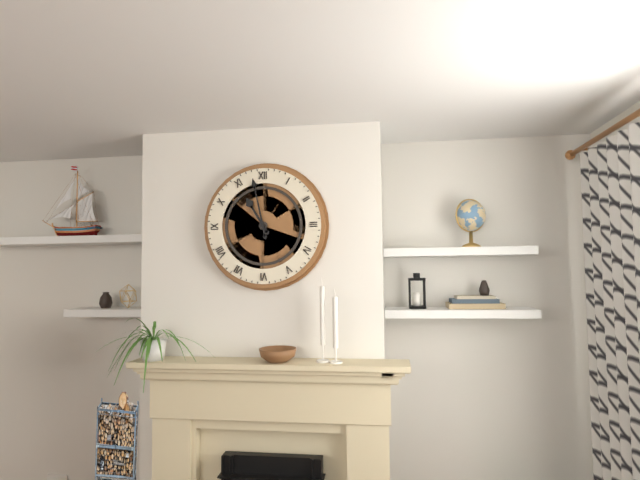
10.58
